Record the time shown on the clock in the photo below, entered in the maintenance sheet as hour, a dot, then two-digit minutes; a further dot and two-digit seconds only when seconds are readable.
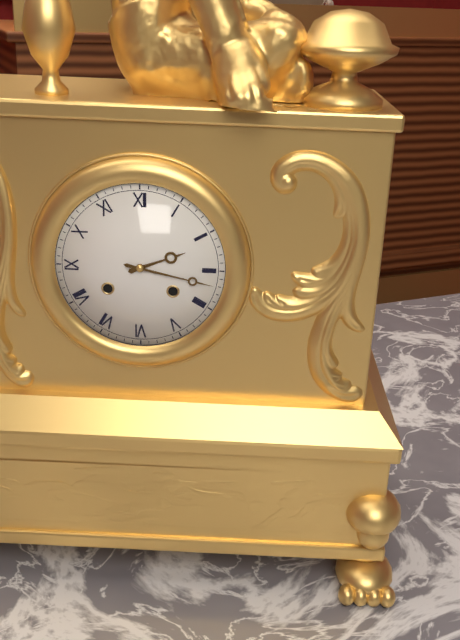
2.17
